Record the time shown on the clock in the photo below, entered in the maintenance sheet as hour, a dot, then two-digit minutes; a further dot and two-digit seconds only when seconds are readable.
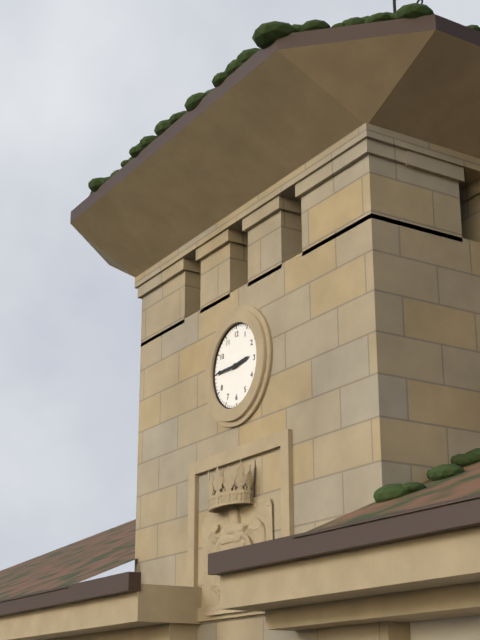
2.45
